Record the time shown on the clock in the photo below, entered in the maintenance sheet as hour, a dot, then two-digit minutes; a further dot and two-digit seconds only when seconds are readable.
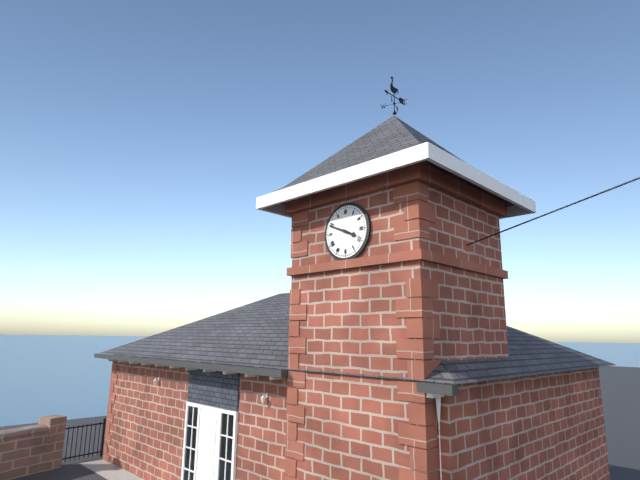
3.49
